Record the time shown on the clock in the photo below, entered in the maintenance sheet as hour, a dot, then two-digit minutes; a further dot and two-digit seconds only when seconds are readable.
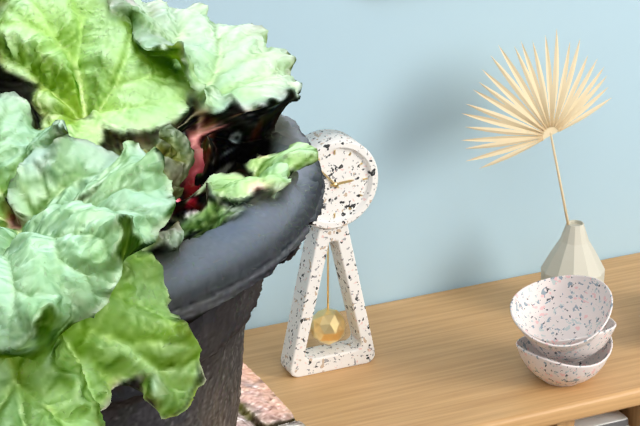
2.53
